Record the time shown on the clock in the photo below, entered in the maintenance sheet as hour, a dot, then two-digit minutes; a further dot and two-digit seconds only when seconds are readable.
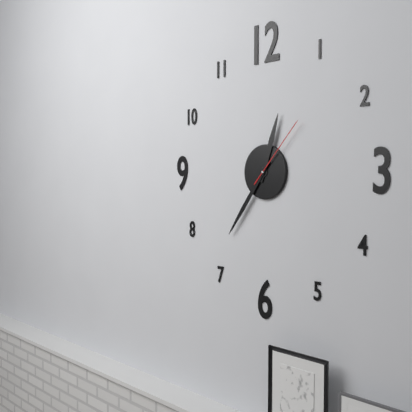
12.36.07
